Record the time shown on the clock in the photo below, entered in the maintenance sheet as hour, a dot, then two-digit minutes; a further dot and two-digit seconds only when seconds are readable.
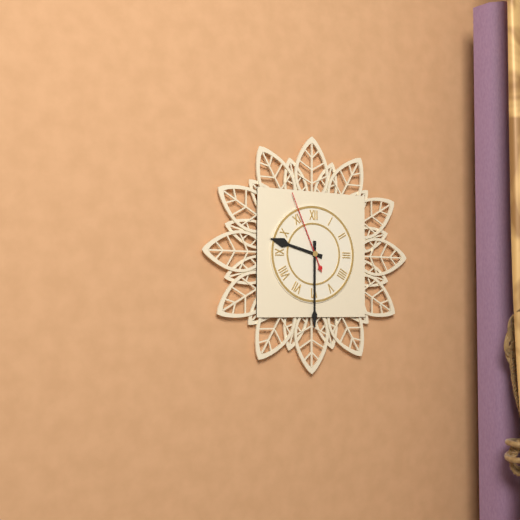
9.30.56
